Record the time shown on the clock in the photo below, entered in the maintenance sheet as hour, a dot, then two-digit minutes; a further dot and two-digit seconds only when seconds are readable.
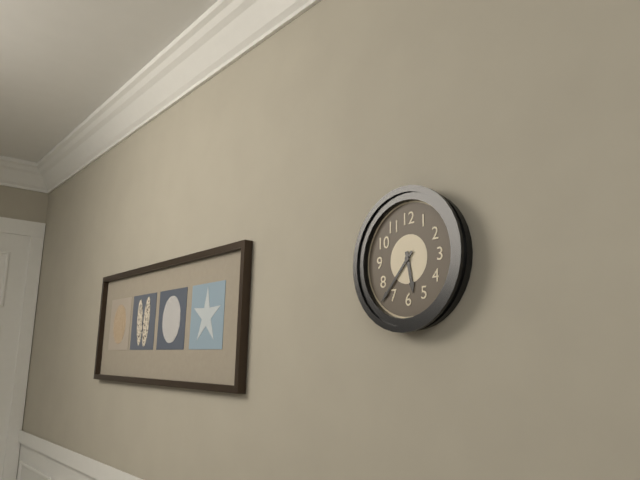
5.37
